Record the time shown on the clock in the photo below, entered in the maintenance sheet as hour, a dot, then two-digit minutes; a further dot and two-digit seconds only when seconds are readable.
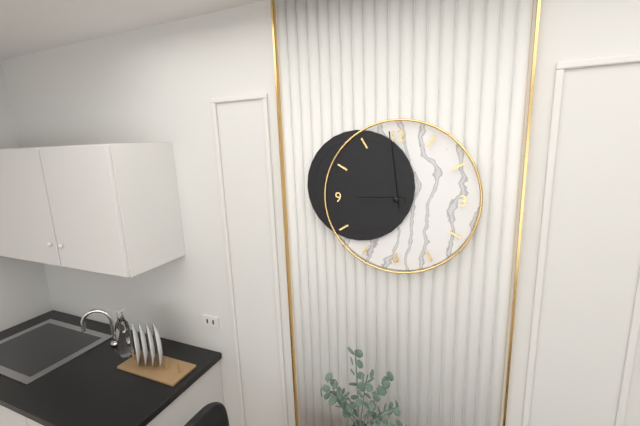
8.59
